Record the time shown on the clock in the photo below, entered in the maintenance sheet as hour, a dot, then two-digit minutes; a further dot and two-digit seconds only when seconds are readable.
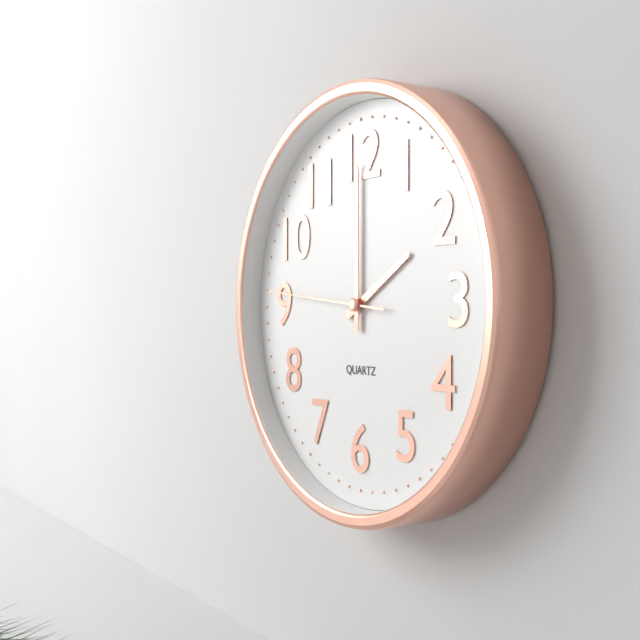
2.00.46
